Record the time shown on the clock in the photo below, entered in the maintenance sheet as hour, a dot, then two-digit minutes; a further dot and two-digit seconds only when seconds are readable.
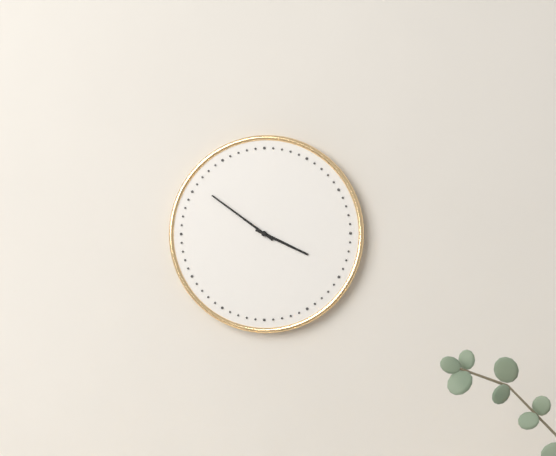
3.51
